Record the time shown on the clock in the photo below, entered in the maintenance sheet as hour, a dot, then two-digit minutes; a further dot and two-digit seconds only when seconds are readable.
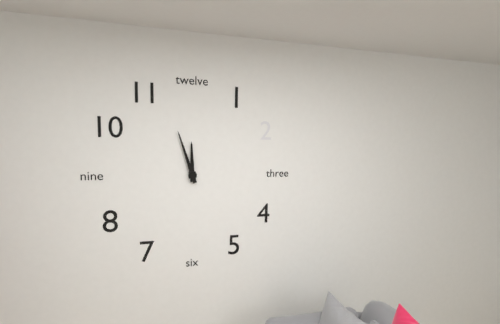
11.57
